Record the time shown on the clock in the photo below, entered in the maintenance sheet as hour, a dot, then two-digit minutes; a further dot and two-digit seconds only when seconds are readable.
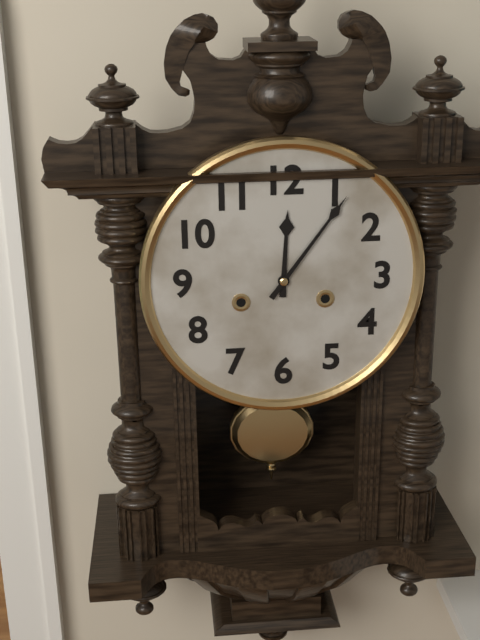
12.06
